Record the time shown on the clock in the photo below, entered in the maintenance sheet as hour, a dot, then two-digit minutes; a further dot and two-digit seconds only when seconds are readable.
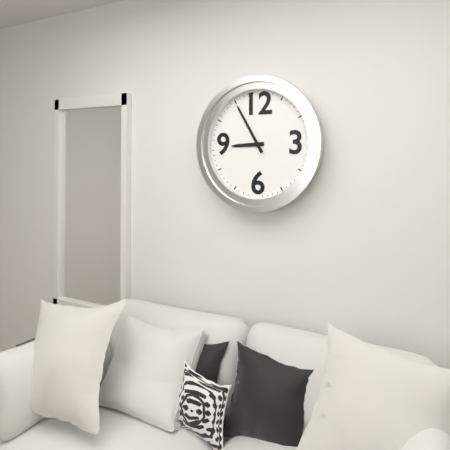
8.55
